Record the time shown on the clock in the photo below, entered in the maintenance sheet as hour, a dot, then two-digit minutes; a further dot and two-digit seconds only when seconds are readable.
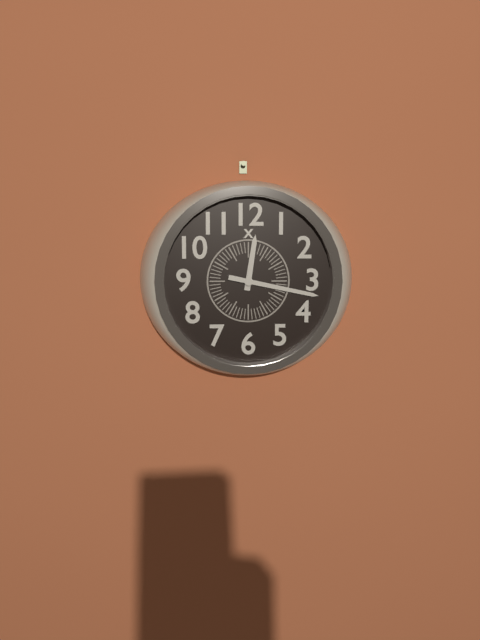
12.17
